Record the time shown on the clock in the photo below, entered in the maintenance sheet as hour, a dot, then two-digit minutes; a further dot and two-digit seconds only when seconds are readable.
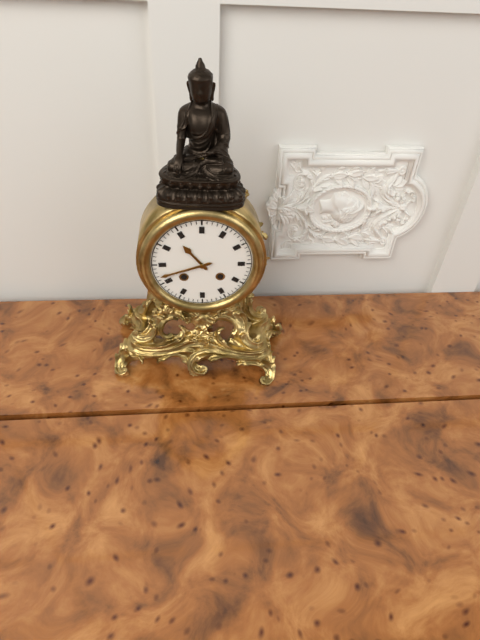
10.42
